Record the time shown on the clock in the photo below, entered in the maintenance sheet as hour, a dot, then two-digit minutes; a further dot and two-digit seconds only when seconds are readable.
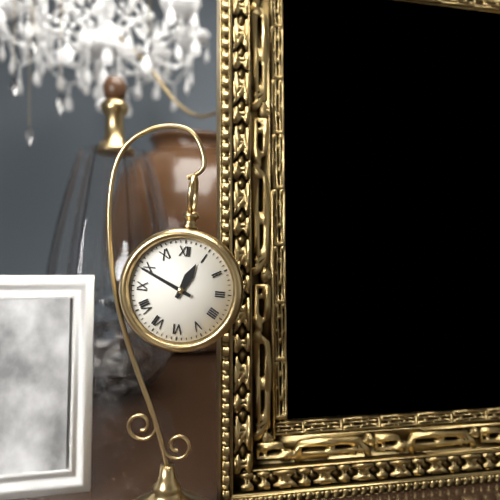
12.49
